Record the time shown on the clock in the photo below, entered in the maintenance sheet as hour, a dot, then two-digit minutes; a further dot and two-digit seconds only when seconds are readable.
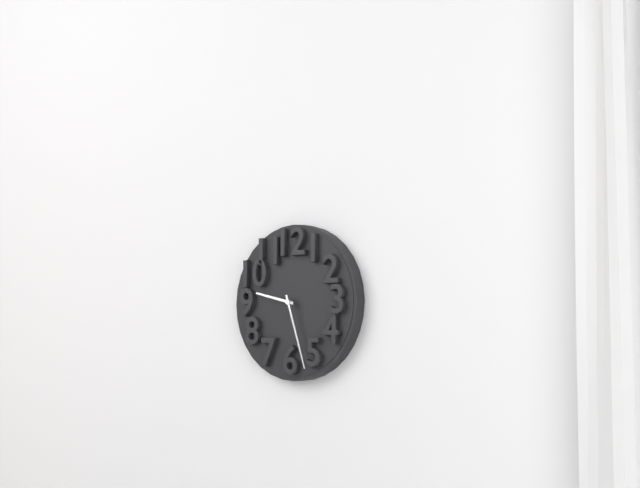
9.27
